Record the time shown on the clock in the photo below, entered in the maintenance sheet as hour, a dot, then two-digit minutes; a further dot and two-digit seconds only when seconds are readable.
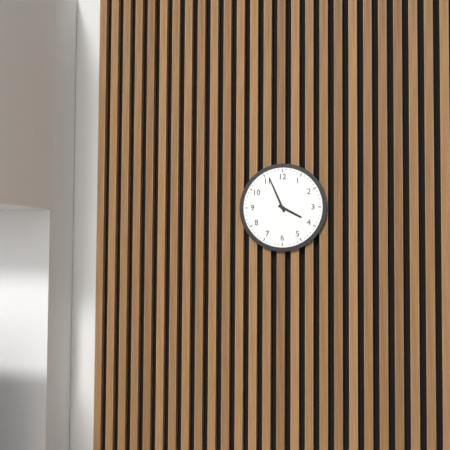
3.56
